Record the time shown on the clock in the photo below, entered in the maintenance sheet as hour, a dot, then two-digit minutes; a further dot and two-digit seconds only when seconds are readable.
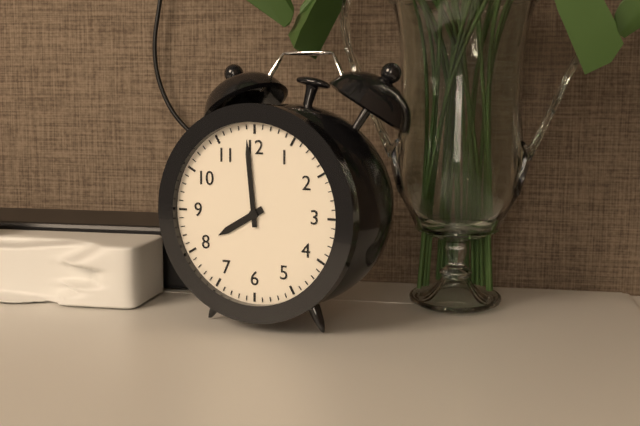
7.59
